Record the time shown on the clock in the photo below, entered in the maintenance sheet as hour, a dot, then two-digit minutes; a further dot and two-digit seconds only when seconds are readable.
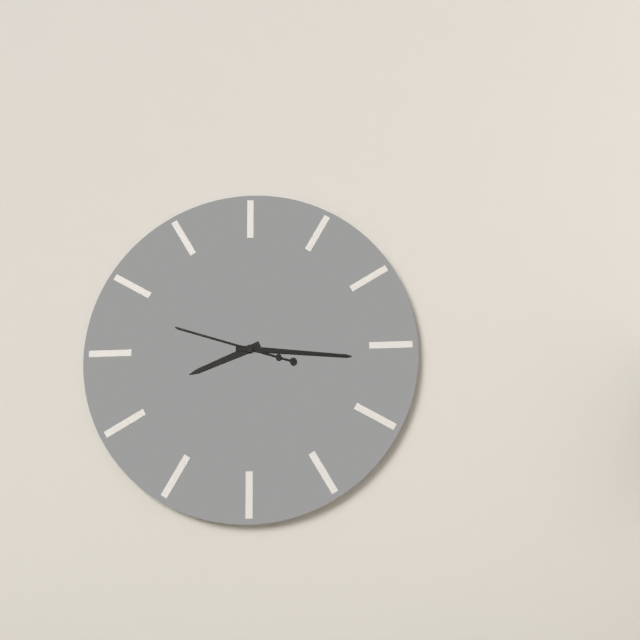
8.16.48
